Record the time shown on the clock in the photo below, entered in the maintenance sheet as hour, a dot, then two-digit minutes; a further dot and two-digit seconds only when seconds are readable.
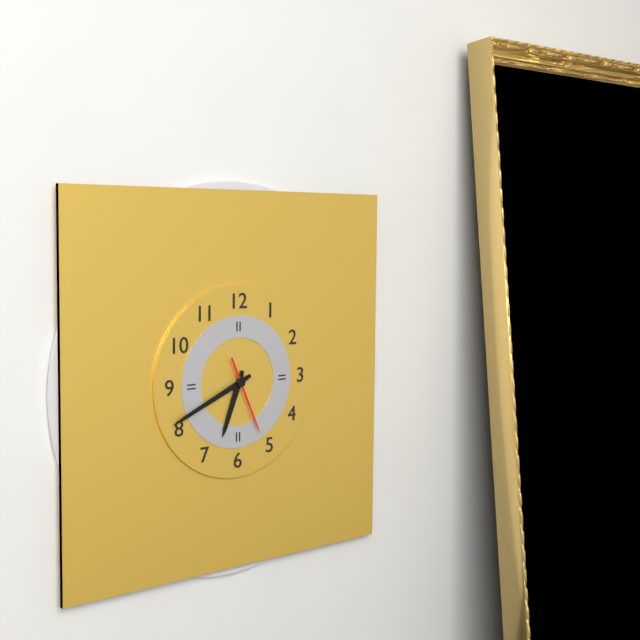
6.41.26
